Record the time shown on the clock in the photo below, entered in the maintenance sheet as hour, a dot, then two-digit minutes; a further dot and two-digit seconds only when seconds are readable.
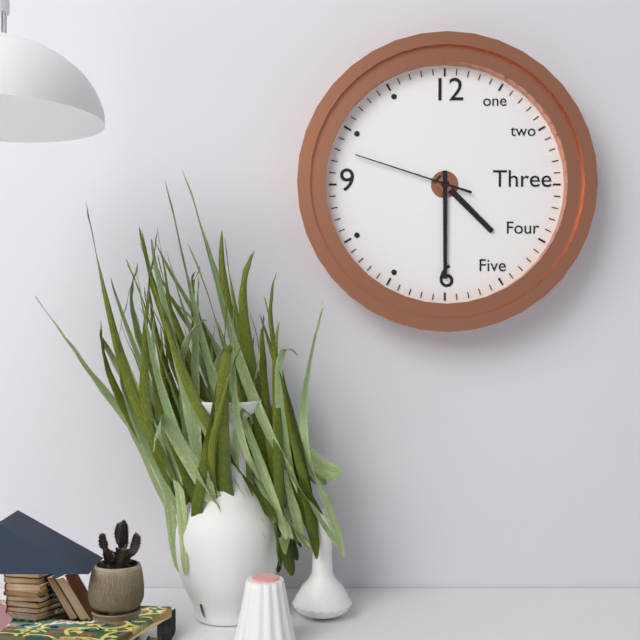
4.30.48
